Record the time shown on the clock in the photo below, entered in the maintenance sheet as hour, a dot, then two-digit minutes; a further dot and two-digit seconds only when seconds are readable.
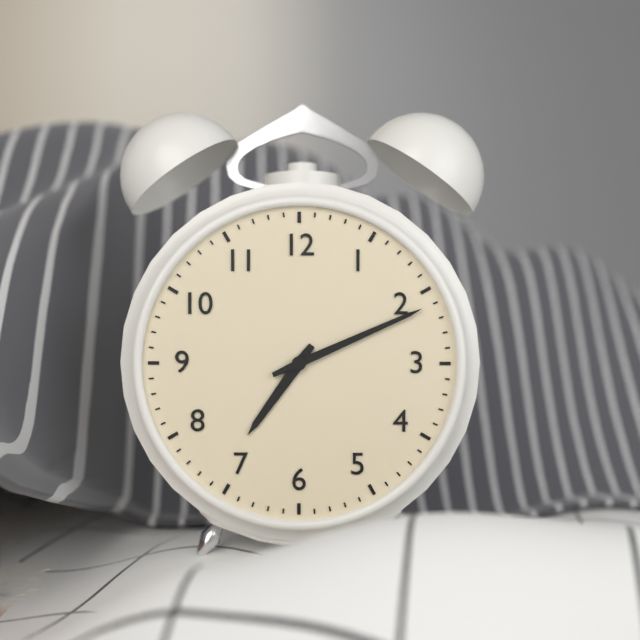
7.11
